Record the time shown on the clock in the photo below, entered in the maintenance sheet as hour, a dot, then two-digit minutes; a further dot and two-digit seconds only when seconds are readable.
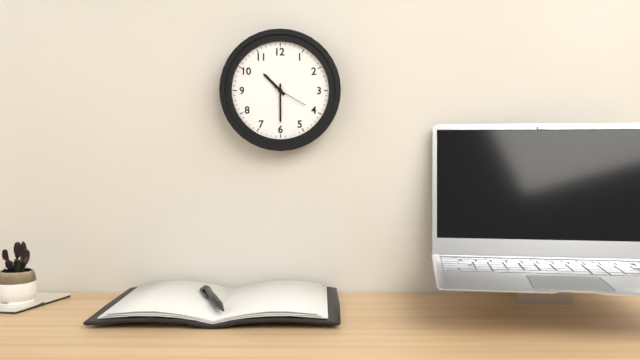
10.30
